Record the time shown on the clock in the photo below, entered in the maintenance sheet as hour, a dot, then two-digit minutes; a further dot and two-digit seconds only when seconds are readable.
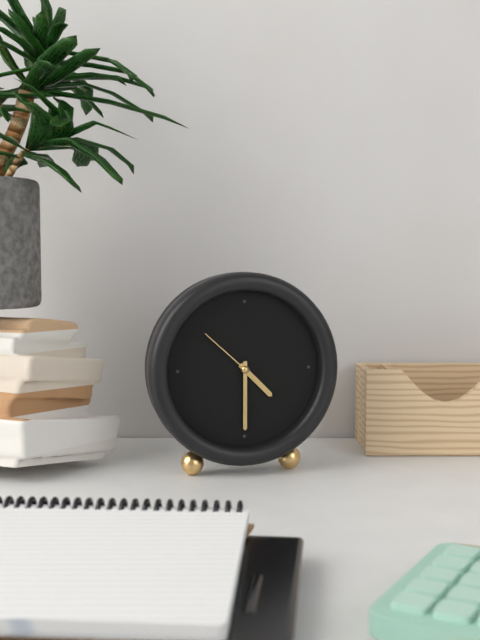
4.30.52
